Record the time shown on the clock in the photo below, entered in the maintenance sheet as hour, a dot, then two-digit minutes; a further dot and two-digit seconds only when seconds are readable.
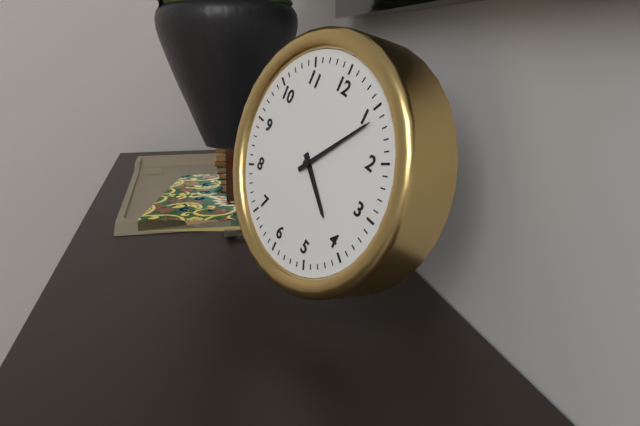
4.06
